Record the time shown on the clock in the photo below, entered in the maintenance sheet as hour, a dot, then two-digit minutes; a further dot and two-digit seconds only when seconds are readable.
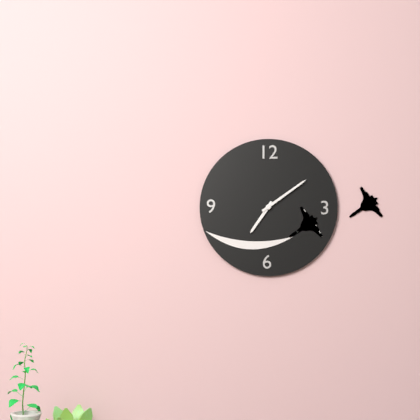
7.09
